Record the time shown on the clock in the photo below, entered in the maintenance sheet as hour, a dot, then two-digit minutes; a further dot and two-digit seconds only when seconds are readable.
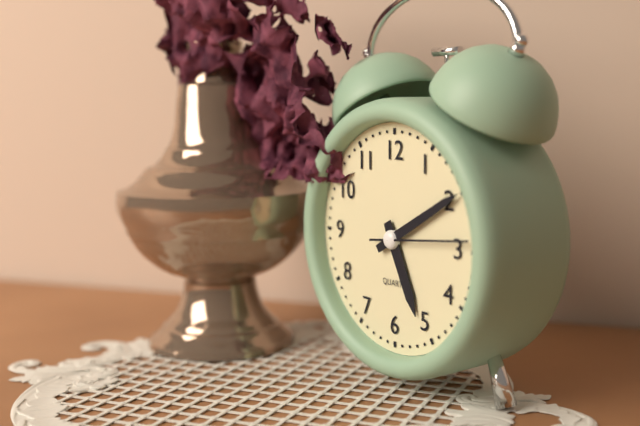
5.10.14
